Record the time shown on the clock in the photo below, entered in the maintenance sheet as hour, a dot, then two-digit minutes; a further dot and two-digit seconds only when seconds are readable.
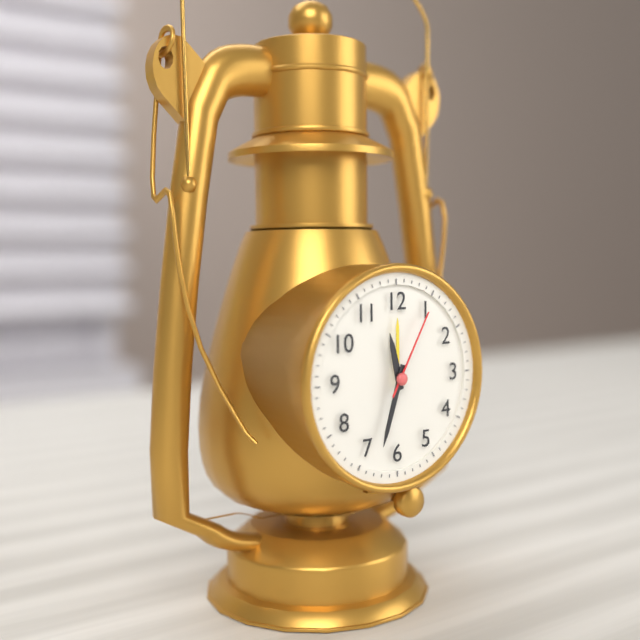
11.33.05
